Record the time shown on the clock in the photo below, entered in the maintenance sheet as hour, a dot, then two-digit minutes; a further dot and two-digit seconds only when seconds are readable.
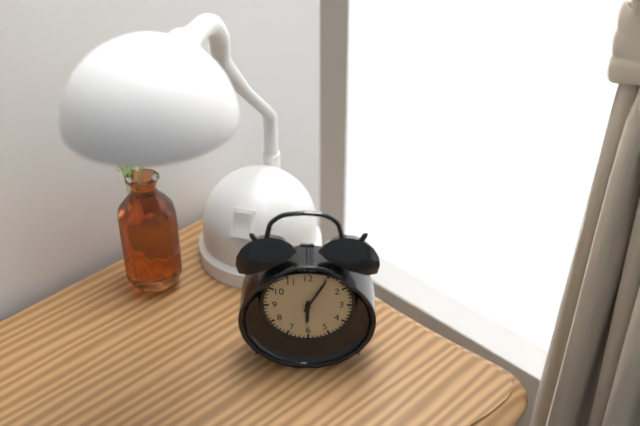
6.05
